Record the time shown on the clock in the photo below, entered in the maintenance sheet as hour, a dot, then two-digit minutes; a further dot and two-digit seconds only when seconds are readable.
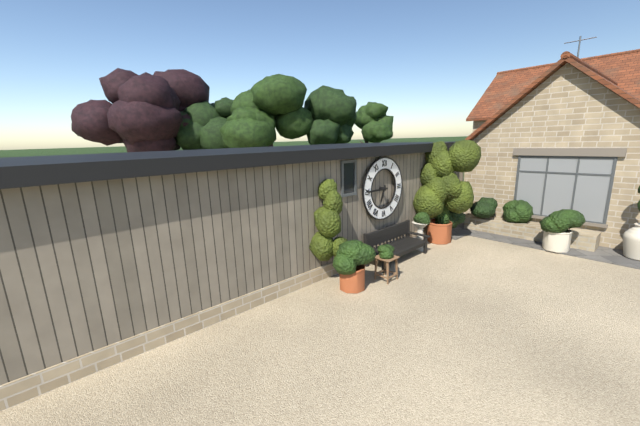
6.45
